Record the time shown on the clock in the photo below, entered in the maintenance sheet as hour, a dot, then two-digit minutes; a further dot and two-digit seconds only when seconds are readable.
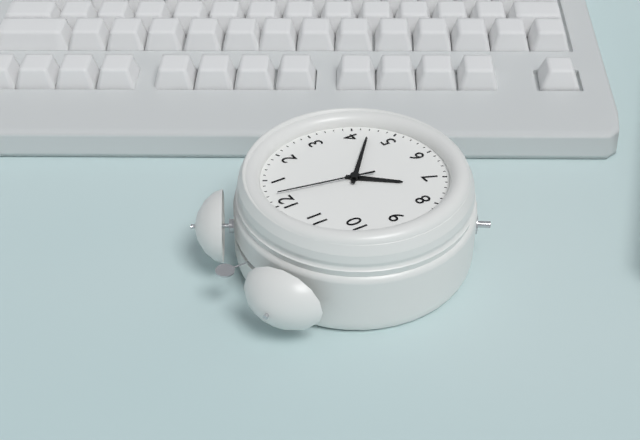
7.22.02
